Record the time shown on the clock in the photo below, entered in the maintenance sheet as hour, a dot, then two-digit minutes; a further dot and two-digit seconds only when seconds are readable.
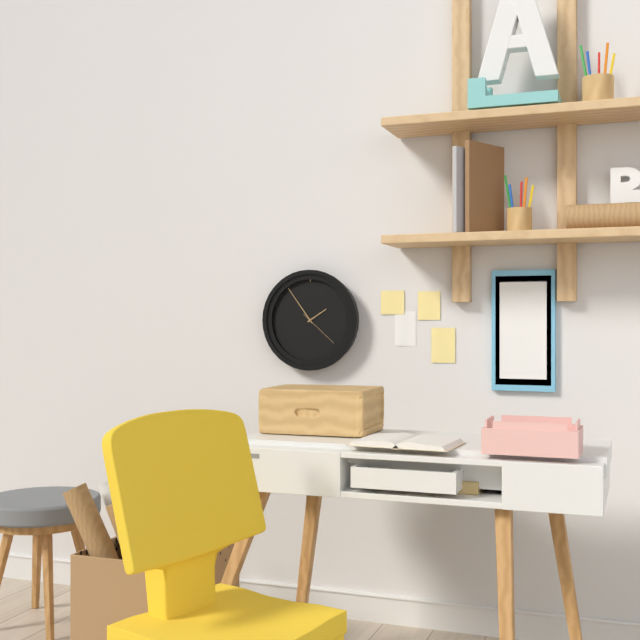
1.54
